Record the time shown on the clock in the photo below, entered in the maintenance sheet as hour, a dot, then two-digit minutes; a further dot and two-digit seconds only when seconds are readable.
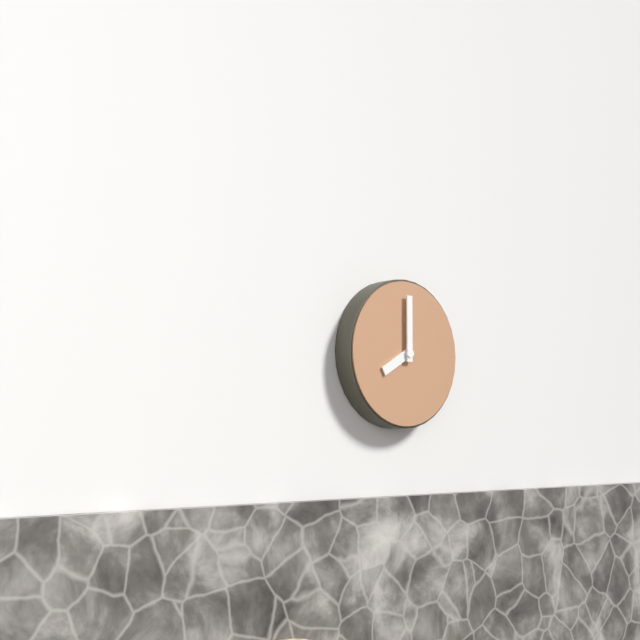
8.00
